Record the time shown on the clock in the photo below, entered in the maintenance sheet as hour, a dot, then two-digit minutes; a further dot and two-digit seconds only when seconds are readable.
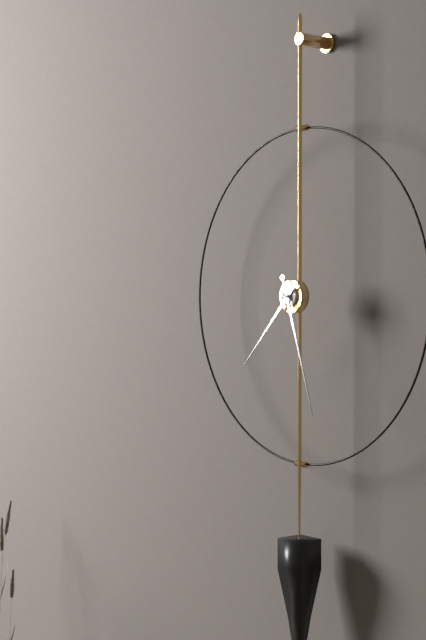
7.27
